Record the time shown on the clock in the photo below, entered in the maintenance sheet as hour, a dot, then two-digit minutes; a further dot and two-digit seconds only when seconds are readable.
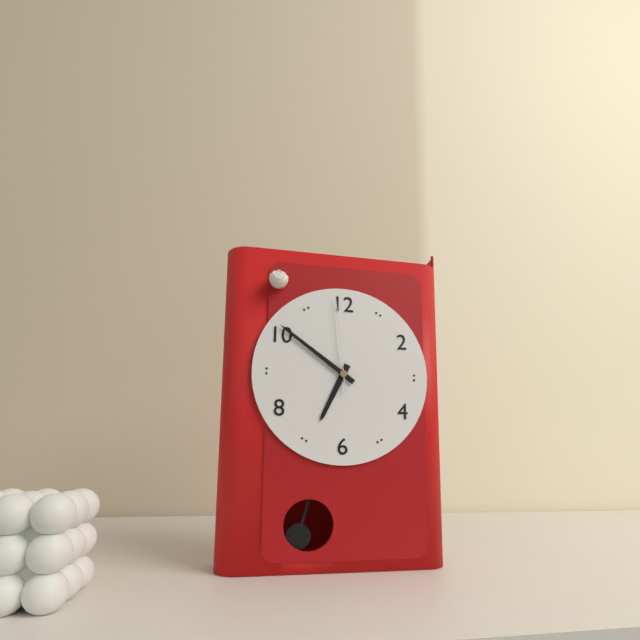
6.51.59
